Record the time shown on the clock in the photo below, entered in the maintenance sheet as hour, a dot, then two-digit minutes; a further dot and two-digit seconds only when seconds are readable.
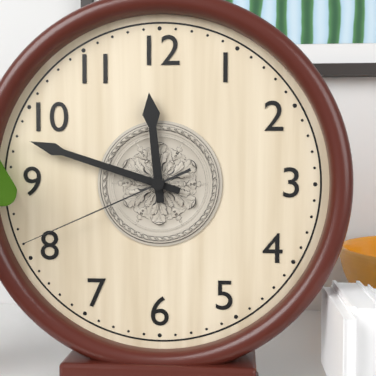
11.48.41
